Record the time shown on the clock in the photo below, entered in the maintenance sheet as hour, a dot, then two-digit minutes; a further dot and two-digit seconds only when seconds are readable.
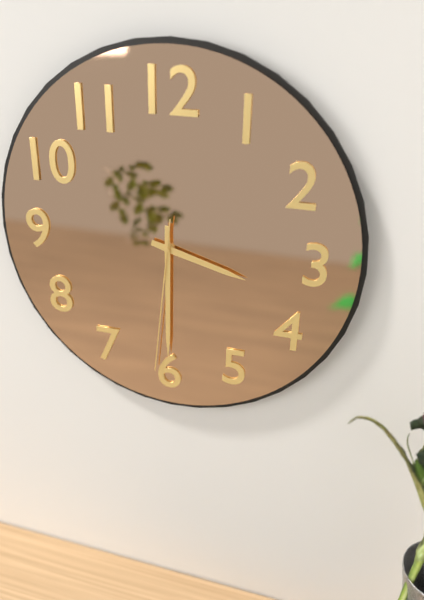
3.30.31
